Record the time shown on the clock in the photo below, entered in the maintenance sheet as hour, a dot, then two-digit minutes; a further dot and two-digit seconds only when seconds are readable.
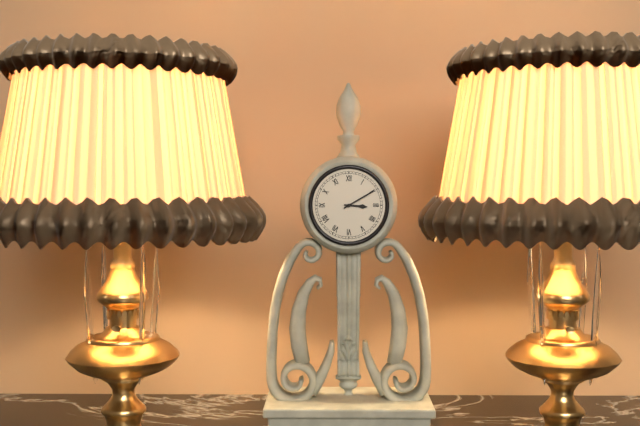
3.10
